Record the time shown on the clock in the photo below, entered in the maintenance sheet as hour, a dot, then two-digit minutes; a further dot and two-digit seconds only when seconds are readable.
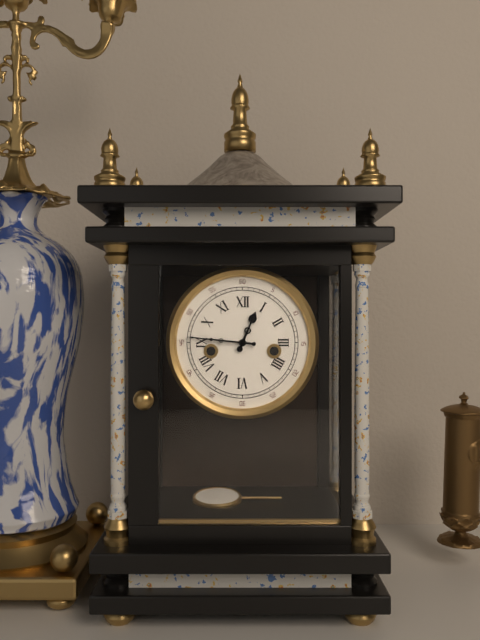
12.46
